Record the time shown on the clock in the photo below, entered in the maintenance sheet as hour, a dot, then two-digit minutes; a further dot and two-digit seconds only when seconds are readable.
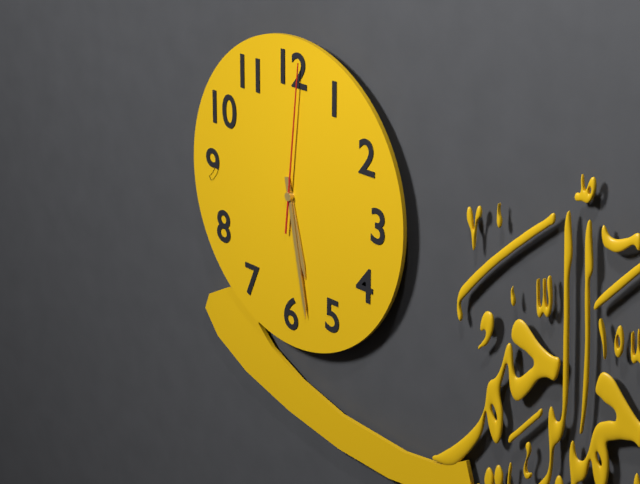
5.28.01
